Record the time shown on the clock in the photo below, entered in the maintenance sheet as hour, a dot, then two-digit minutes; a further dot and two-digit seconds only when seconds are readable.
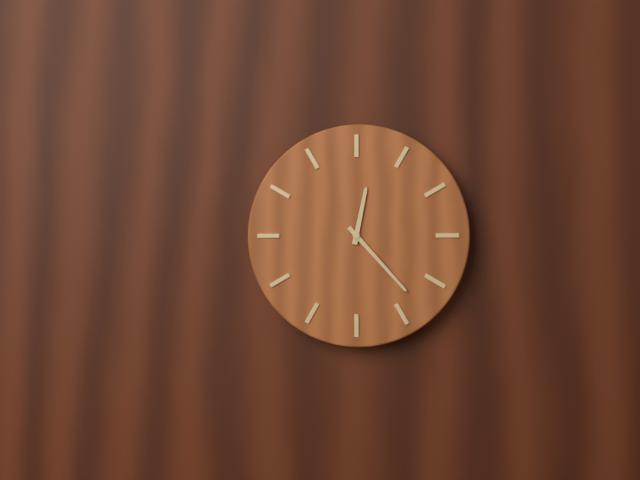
12.23
